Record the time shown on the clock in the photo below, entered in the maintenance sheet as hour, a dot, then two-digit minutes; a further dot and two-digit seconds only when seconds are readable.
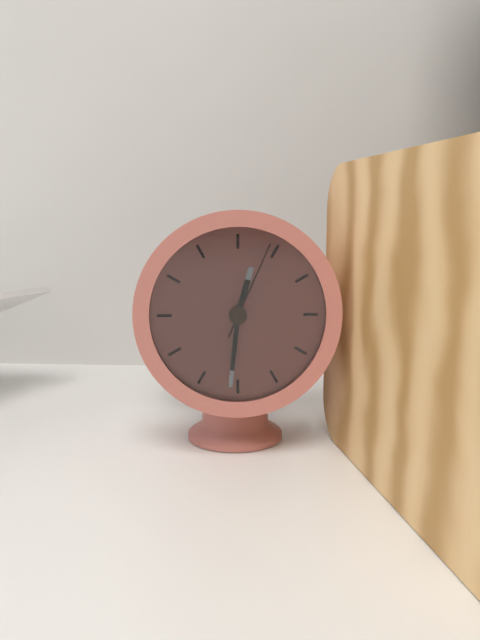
12.31.04
